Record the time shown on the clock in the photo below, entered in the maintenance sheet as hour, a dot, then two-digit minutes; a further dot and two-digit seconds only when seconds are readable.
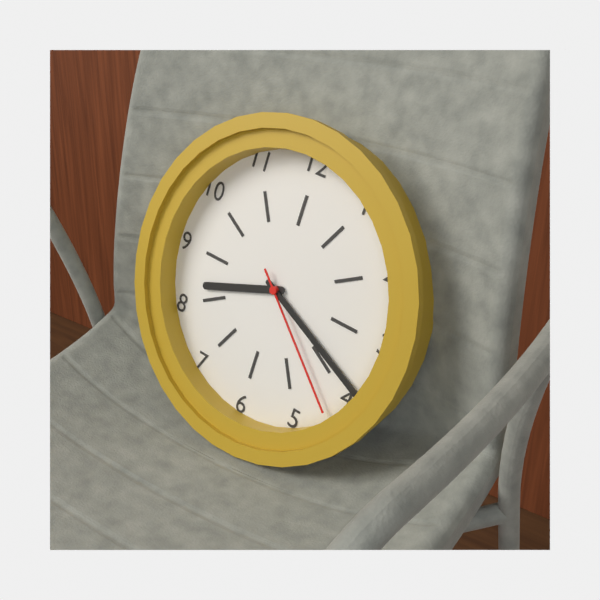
8.19.22
